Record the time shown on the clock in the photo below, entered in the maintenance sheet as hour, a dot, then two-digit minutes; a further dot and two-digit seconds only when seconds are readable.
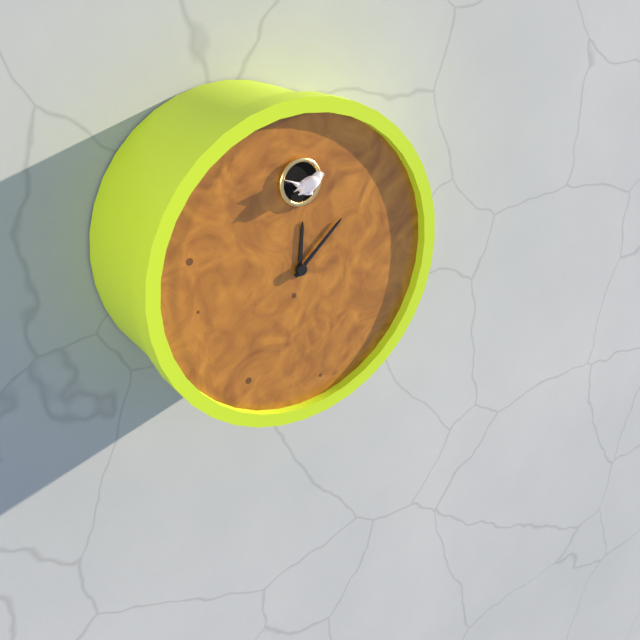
12.08
